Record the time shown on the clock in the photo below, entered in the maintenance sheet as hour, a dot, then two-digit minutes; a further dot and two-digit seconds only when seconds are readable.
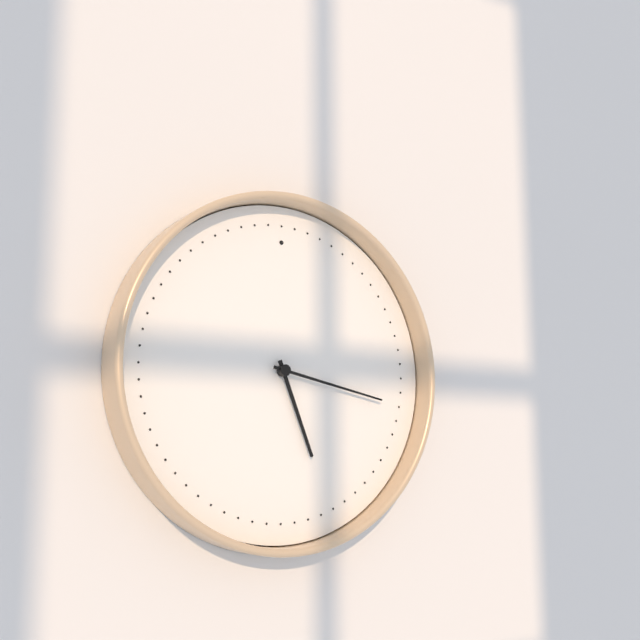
5.17
